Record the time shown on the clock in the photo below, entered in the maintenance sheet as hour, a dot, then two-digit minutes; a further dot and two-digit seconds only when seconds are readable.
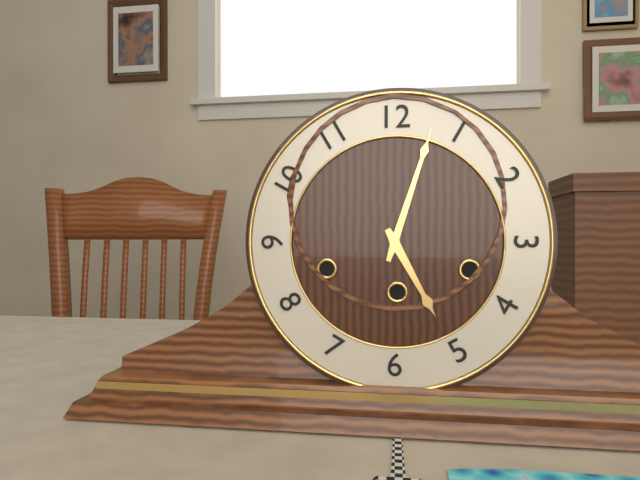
5.03
